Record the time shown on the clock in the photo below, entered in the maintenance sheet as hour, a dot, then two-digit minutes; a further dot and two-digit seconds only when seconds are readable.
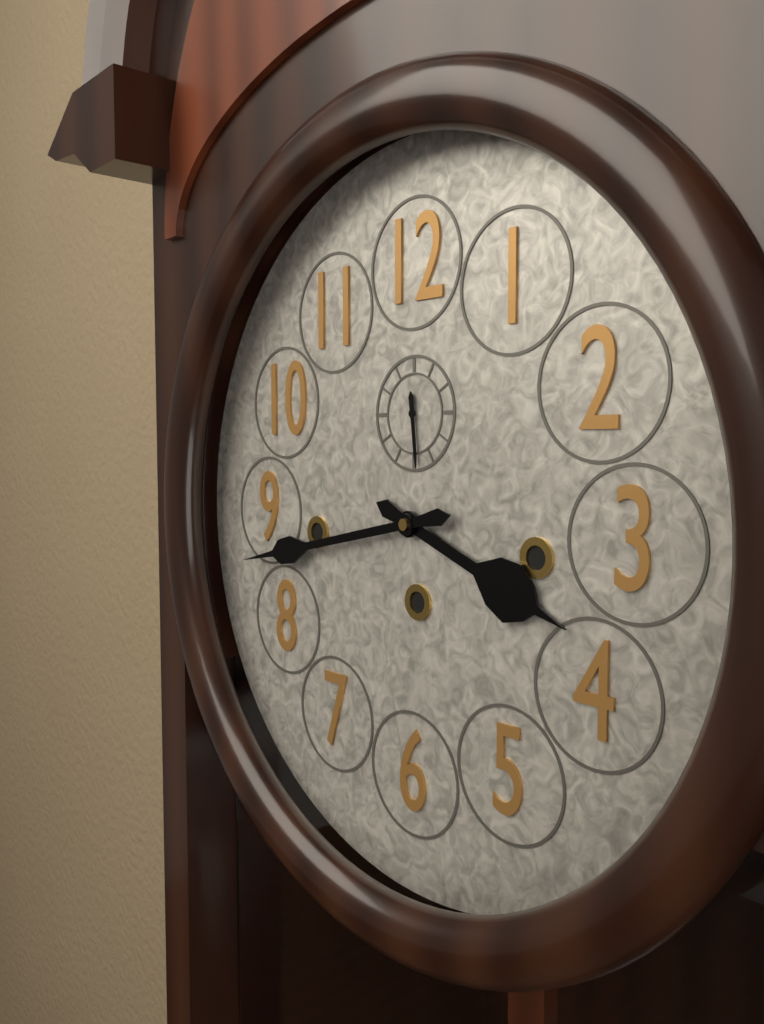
3.43.29
